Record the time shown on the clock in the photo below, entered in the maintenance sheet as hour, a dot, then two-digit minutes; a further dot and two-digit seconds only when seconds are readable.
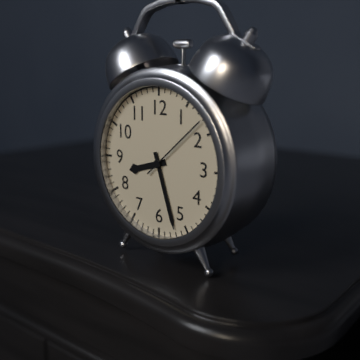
8.27.08
